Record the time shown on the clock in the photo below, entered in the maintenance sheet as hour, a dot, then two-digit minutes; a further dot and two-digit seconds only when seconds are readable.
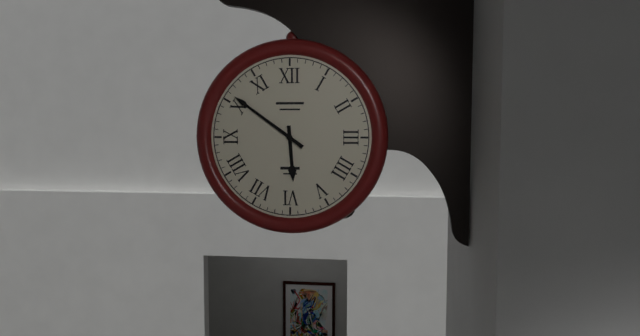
5.51
